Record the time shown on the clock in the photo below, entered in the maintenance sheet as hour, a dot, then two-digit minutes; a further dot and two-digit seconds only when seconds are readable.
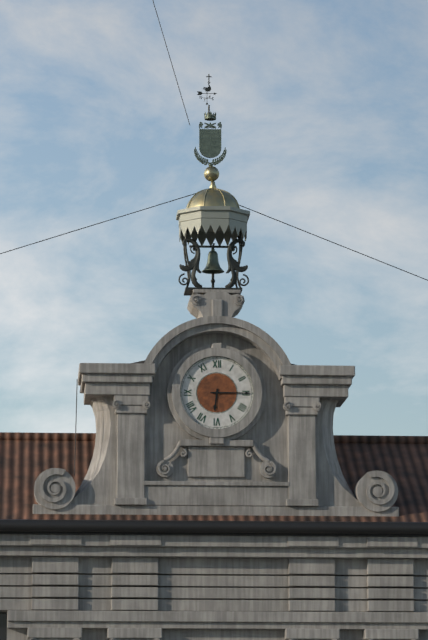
6.15
